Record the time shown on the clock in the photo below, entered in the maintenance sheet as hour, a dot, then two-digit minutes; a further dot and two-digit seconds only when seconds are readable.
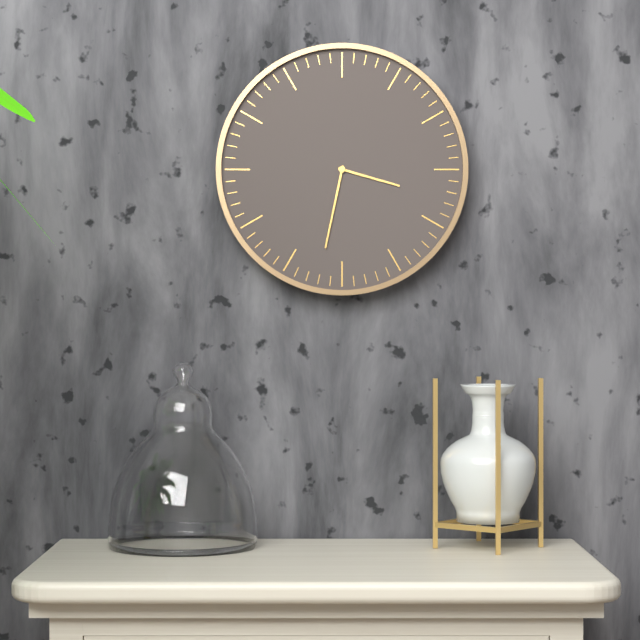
3.32
